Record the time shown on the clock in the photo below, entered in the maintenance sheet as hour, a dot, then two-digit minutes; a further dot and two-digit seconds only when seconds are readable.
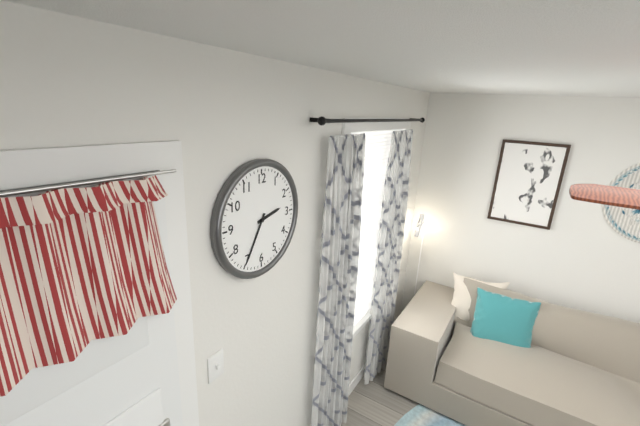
2.35
